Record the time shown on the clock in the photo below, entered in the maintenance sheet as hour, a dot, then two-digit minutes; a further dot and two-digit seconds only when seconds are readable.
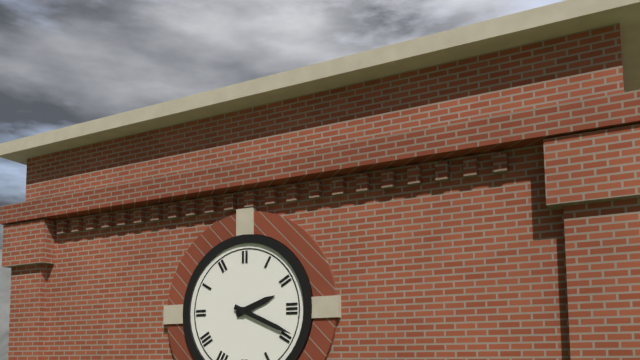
2.19
